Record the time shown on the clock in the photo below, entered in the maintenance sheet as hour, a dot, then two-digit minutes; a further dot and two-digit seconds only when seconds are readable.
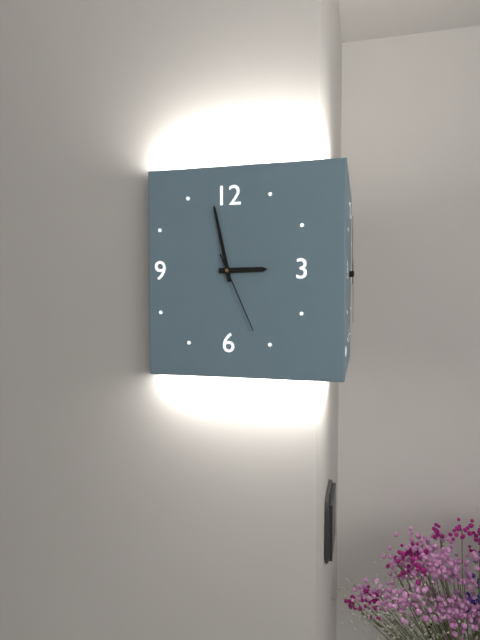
2.58.26
